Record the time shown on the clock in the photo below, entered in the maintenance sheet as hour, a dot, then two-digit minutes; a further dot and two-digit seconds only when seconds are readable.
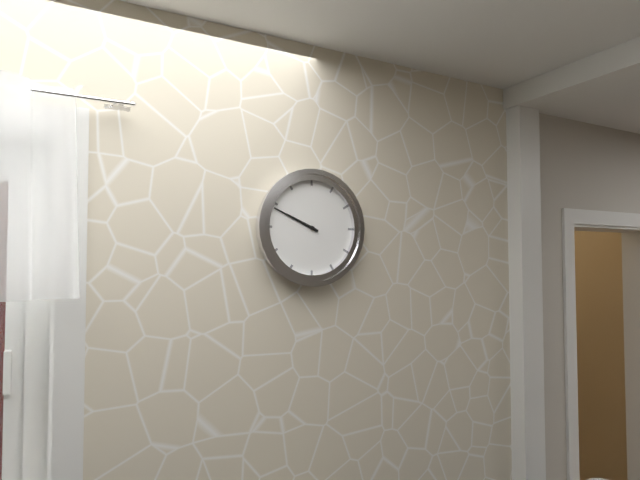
9.49
